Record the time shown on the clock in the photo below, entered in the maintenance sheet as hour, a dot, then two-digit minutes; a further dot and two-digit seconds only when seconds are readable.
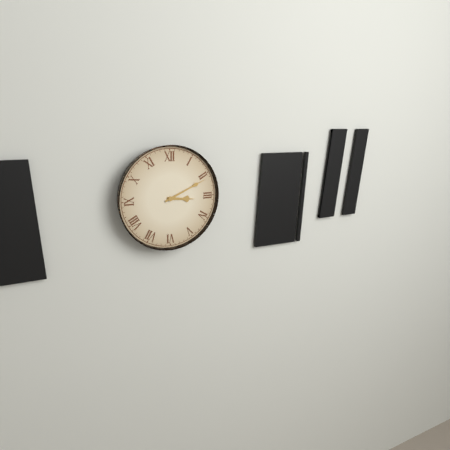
3.11
